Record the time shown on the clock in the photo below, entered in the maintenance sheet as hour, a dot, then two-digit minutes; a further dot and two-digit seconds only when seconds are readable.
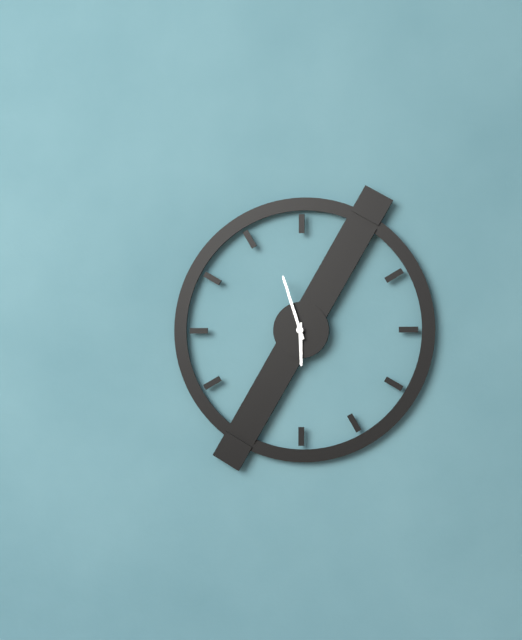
5.57
